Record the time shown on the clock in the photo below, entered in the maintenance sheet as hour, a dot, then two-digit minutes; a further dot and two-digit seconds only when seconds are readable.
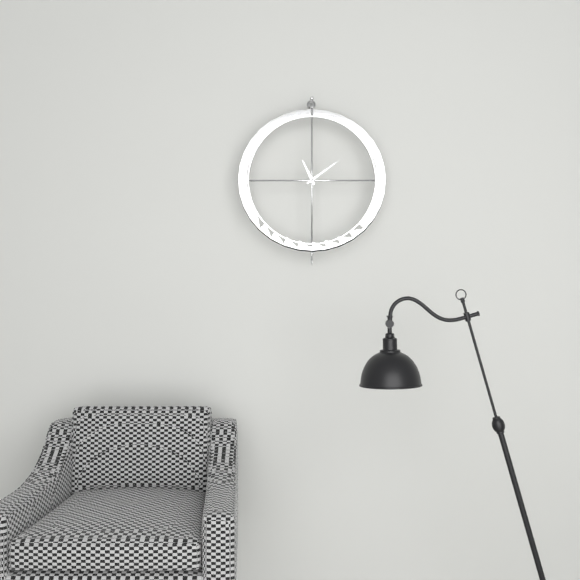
11.09
